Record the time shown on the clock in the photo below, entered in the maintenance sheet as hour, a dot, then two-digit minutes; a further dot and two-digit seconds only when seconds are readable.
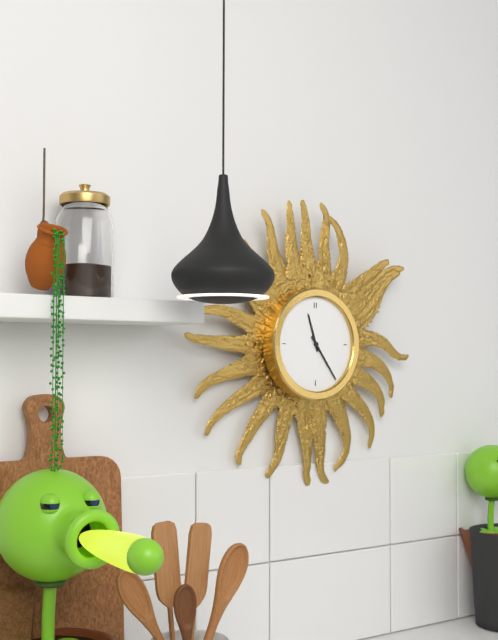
11.24
